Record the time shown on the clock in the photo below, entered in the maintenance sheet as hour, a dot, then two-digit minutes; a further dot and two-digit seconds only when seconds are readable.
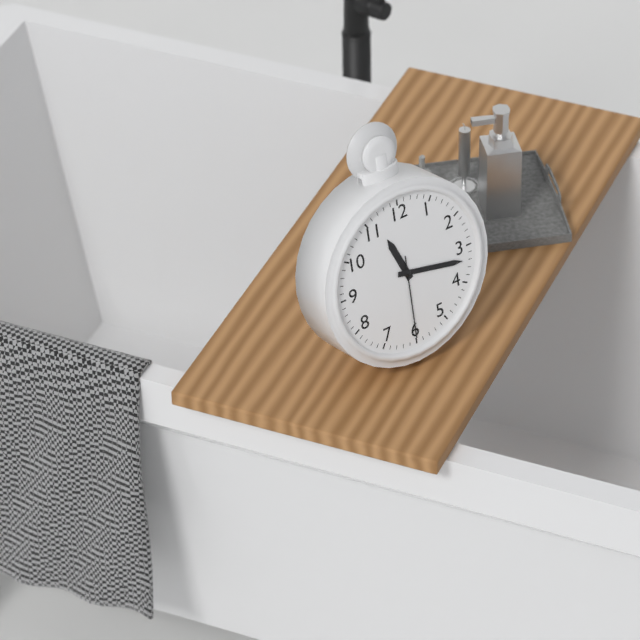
11.17.30
